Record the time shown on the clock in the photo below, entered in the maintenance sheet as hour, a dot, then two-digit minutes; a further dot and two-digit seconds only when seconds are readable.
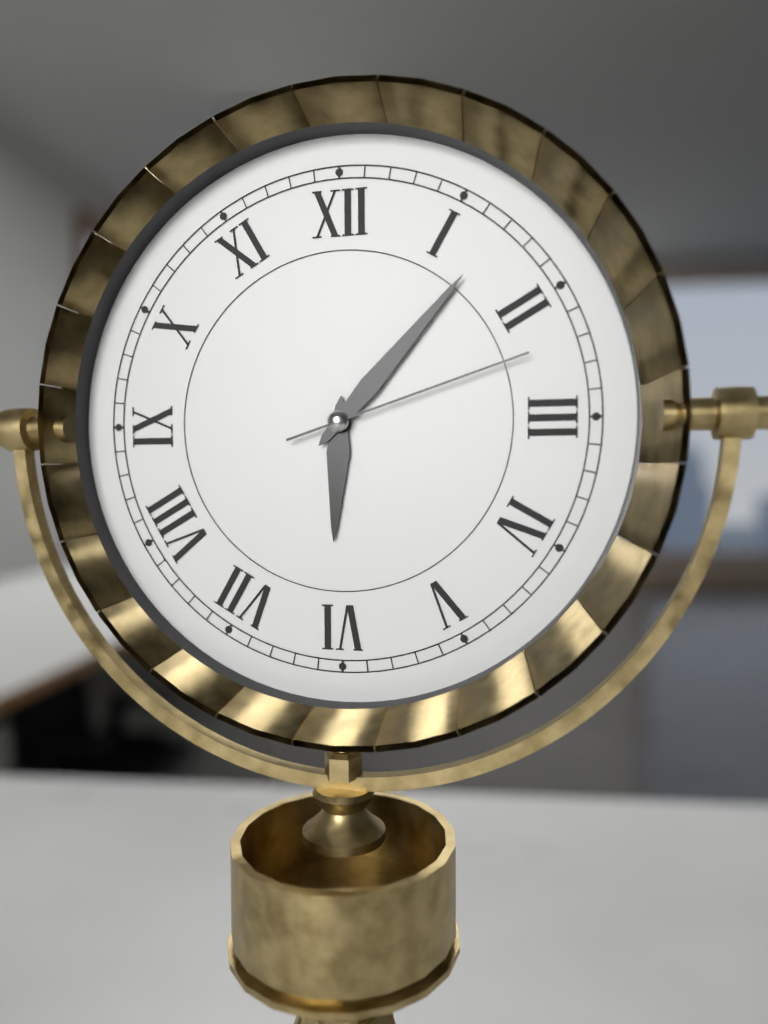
6.07.12
